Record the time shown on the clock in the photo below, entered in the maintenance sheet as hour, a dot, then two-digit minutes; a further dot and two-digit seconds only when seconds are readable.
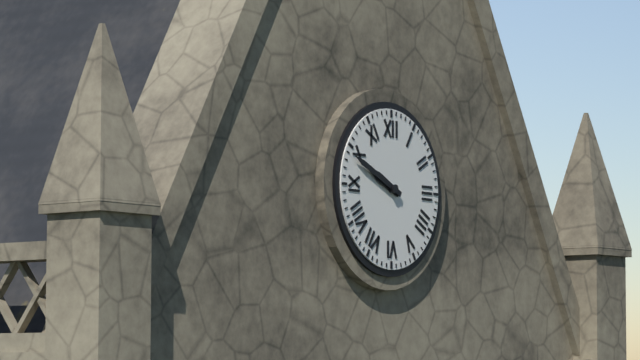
9.49
